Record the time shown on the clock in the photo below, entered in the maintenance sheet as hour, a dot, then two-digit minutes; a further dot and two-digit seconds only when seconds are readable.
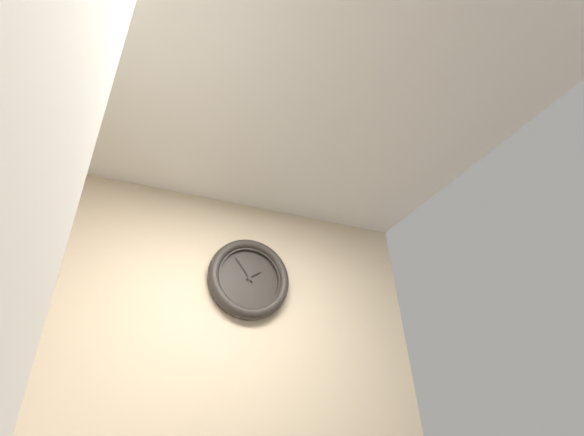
1.54
